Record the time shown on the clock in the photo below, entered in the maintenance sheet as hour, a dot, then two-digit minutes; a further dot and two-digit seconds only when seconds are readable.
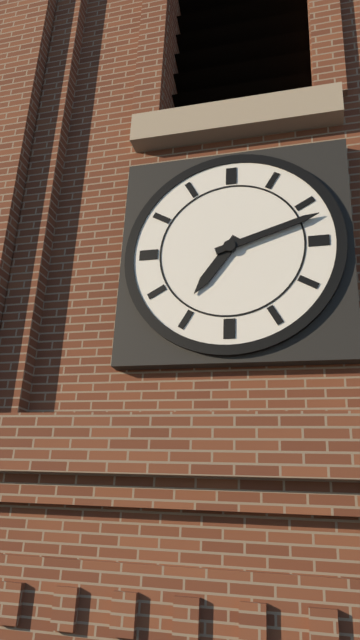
7.12
